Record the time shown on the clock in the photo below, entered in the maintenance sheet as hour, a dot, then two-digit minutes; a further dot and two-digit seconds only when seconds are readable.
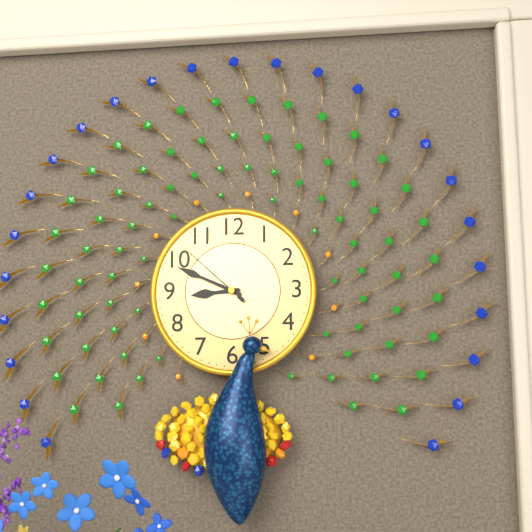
8.49.52
